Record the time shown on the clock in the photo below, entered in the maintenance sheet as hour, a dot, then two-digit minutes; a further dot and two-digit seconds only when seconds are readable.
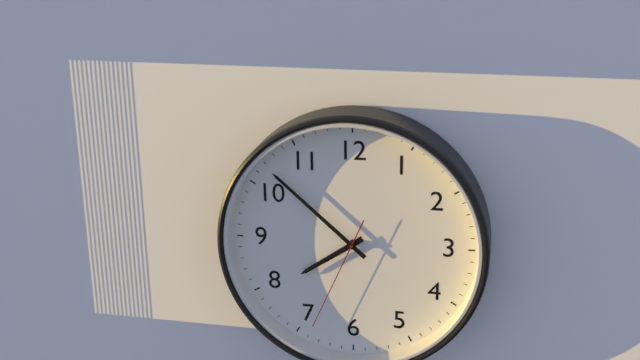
7.52.34
